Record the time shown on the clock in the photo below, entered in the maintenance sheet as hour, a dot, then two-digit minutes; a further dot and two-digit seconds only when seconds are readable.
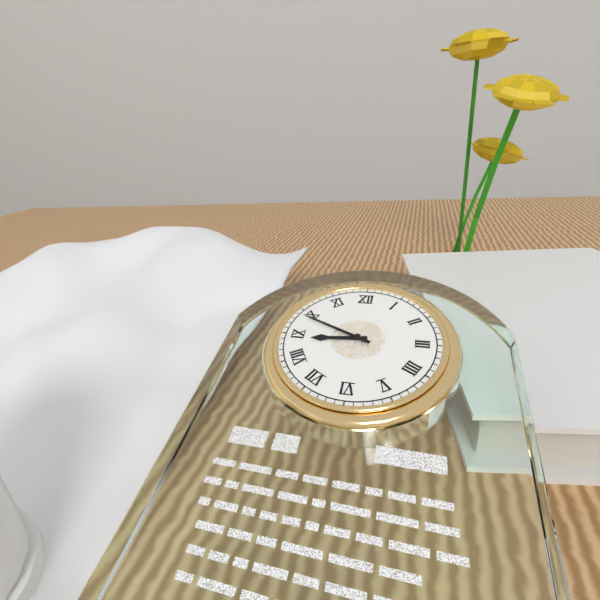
8.49
